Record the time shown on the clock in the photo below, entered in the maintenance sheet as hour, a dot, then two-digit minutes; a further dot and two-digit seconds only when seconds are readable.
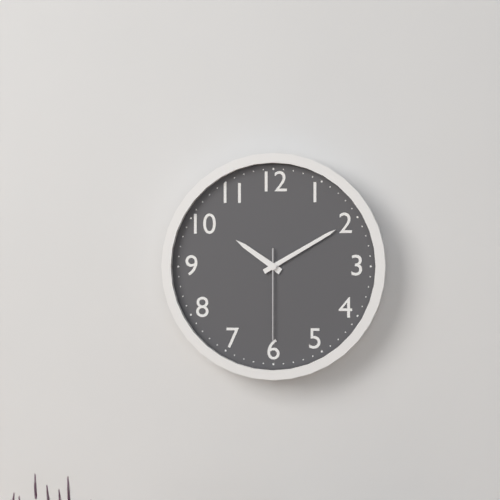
10.10.30
